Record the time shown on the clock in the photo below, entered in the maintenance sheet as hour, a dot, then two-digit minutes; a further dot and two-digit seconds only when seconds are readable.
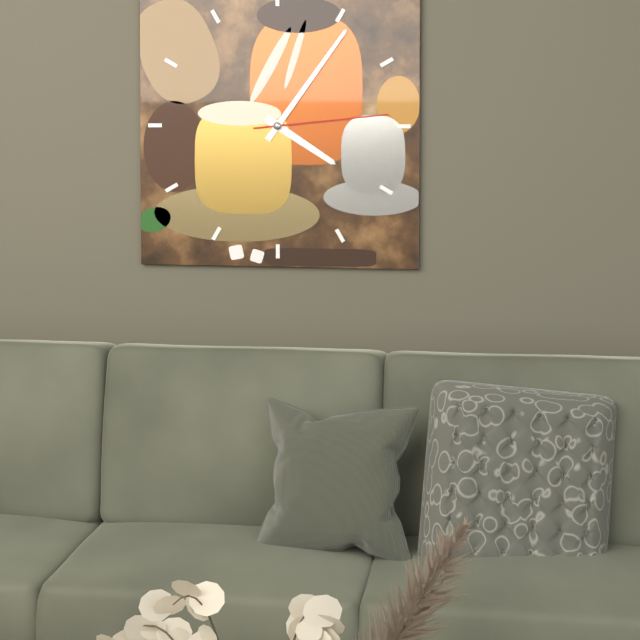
4.06.14
